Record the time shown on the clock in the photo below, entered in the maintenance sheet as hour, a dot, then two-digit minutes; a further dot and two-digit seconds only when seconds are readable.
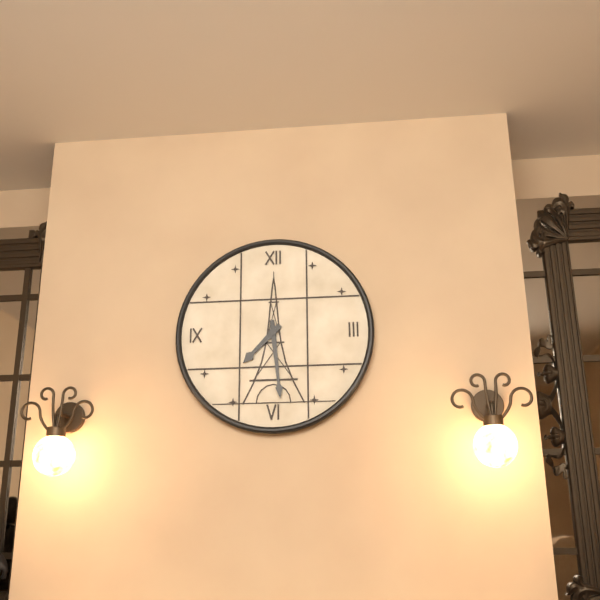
7.29
